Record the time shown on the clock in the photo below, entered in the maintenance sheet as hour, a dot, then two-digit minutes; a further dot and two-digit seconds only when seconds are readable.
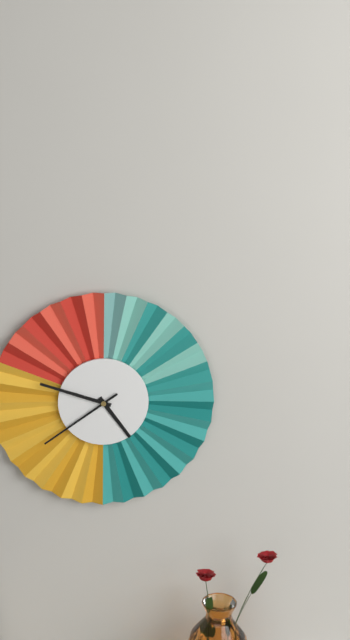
4.48.39
